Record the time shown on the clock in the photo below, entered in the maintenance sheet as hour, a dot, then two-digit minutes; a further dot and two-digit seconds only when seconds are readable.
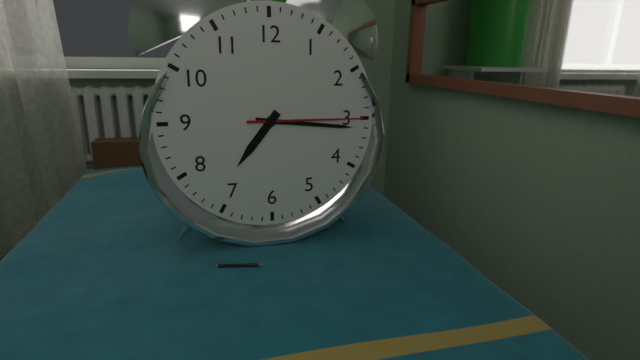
7.16.15
